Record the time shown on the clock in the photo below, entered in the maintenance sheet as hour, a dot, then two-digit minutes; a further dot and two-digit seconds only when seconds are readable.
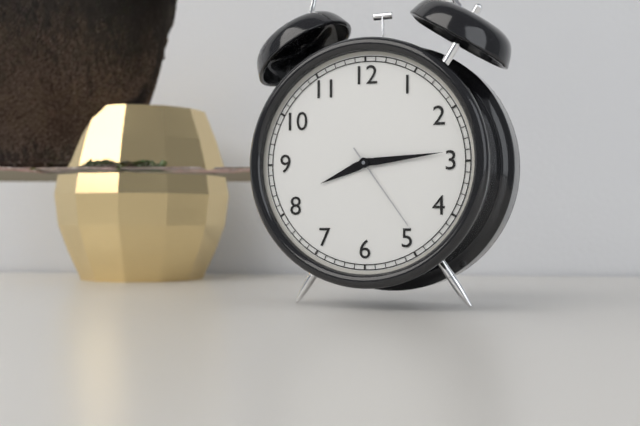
8.14.24
